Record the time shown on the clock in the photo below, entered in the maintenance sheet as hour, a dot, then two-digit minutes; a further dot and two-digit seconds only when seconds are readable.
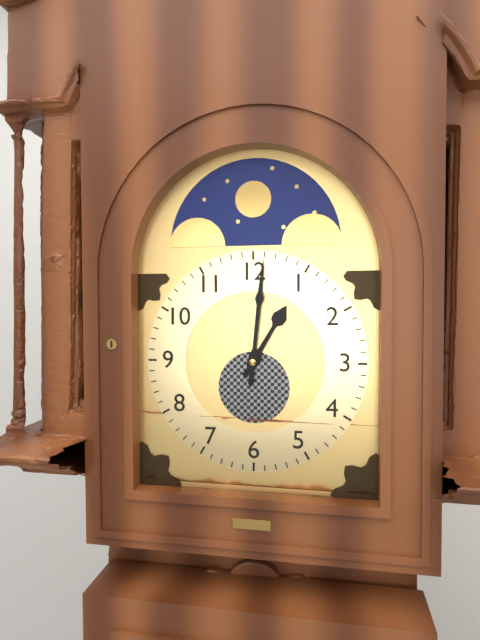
1.01
